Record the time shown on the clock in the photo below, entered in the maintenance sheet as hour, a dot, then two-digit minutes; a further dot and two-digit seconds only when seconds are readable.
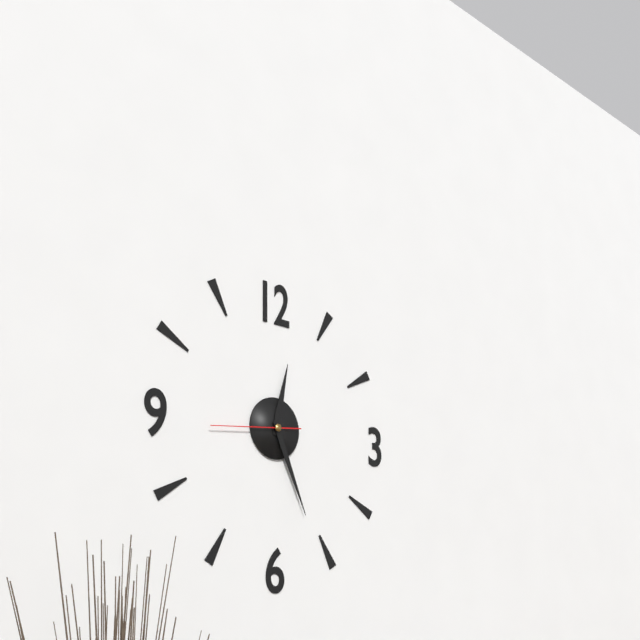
12.26.44
